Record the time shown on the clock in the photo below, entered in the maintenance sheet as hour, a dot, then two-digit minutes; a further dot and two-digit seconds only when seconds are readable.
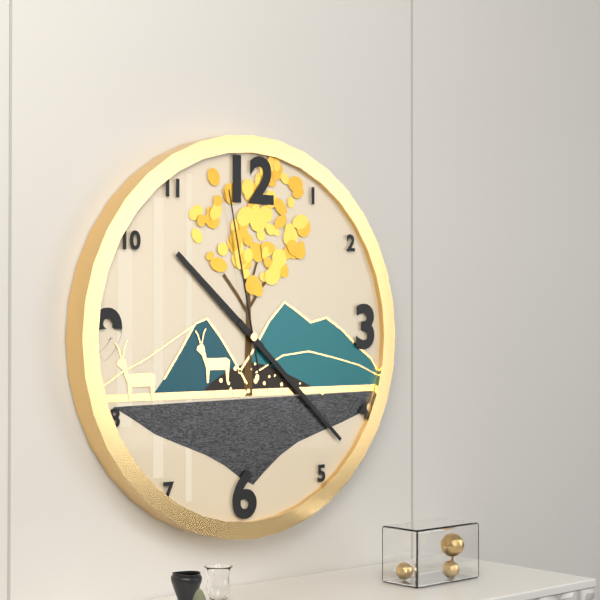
10.22.58
